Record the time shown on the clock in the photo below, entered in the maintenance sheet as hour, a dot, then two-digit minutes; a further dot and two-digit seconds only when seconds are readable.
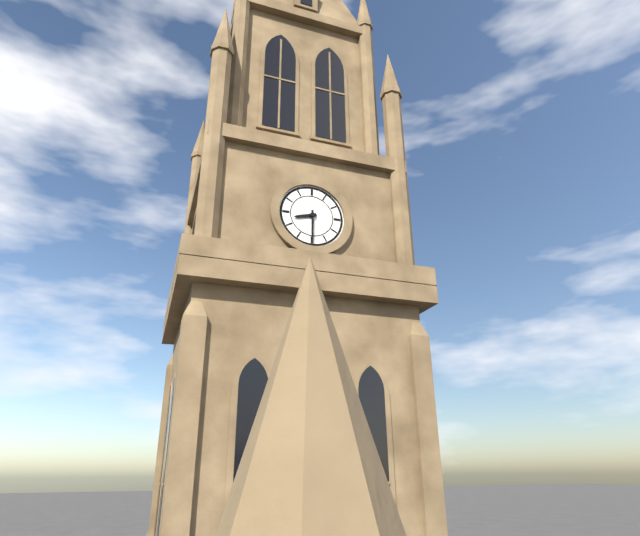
8.30
